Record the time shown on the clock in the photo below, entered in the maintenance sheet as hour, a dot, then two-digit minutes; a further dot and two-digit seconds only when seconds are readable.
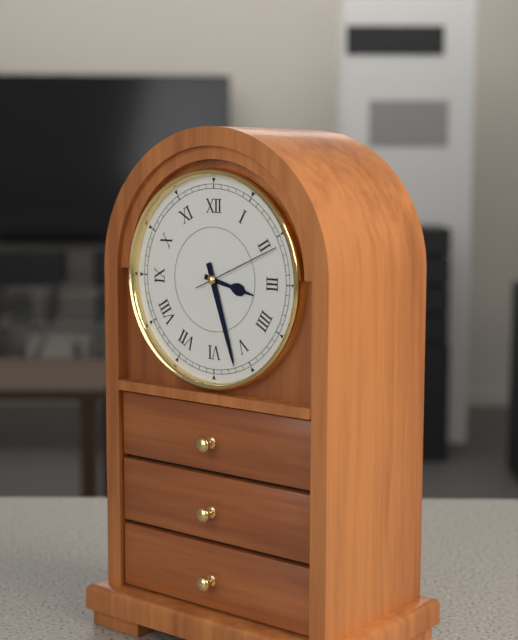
3.27.11
